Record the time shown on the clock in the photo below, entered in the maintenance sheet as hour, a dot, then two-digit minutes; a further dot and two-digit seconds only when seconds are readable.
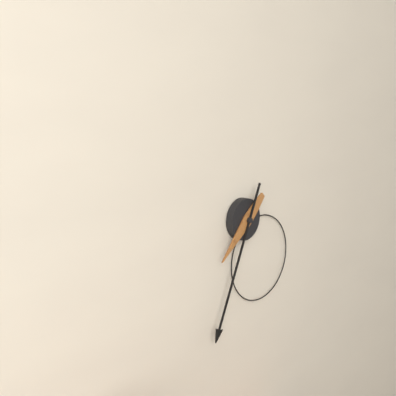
7.34
